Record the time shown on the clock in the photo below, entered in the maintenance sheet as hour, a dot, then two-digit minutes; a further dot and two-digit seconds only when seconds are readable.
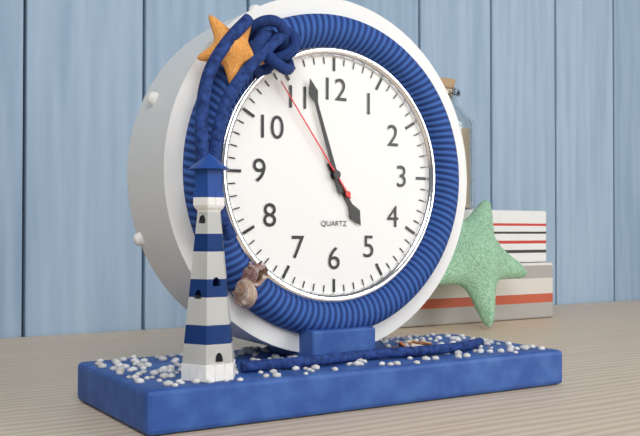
4.57.54
